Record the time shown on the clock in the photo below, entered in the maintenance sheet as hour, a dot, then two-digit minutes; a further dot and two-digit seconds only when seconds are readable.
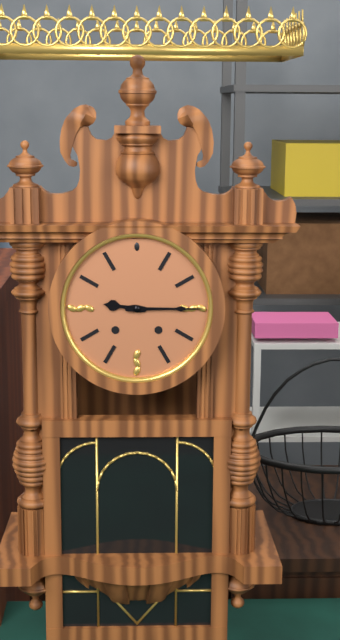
9.15
